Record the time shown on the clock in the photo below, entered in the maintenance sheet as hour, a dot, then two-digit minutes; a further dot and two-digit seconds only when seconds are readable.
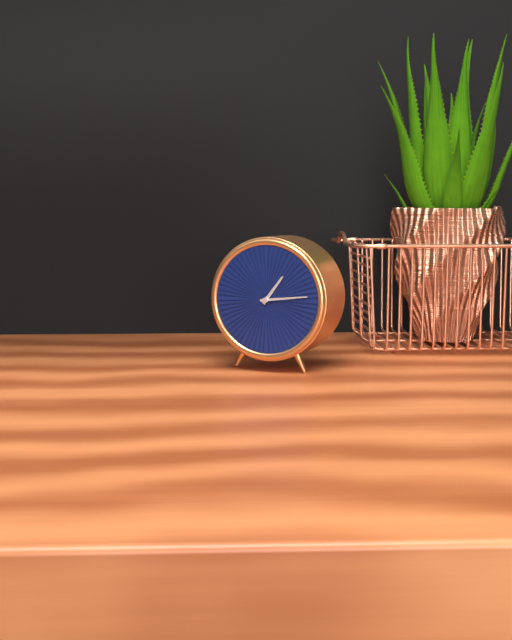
1.14
